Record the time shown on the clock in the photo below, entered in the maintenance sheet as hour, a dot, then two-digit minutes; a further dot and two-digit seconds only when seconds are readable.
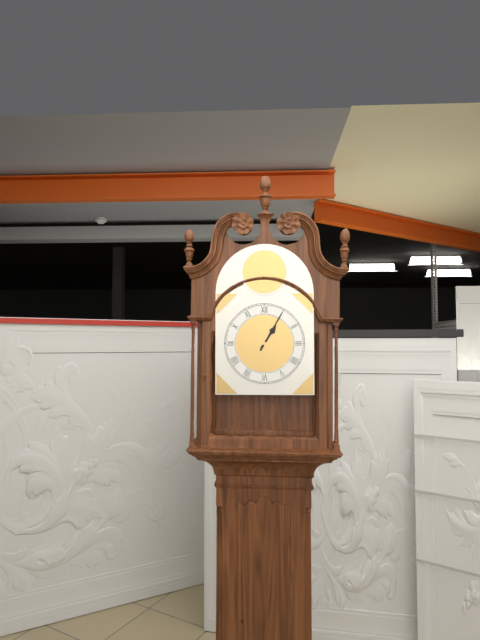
1.05
